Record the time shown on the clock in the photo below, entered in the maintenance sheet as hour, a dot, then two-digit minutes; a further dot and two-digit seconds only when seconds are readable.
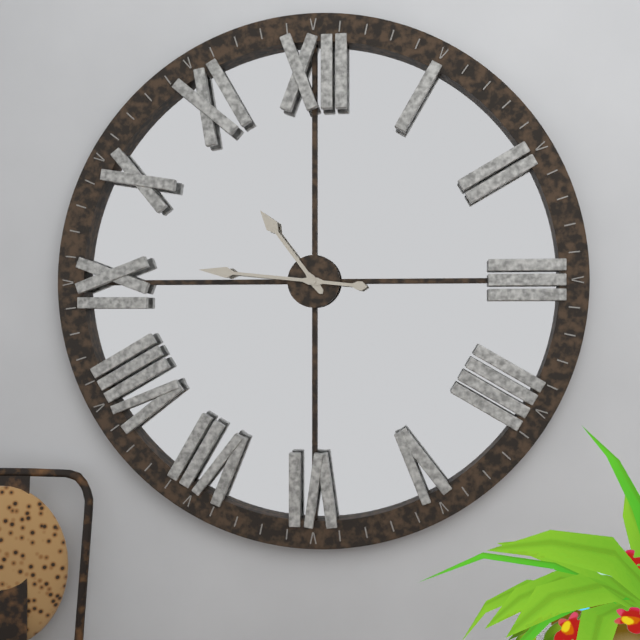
10.46
